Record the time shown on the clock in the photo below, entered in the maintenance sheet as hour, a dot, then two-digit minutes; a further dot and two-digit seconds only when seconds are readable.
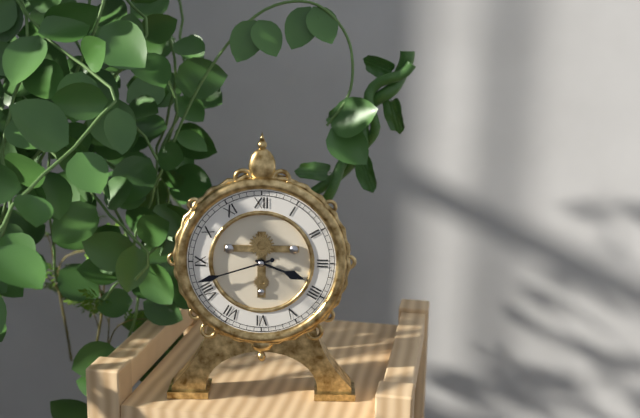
3.42
